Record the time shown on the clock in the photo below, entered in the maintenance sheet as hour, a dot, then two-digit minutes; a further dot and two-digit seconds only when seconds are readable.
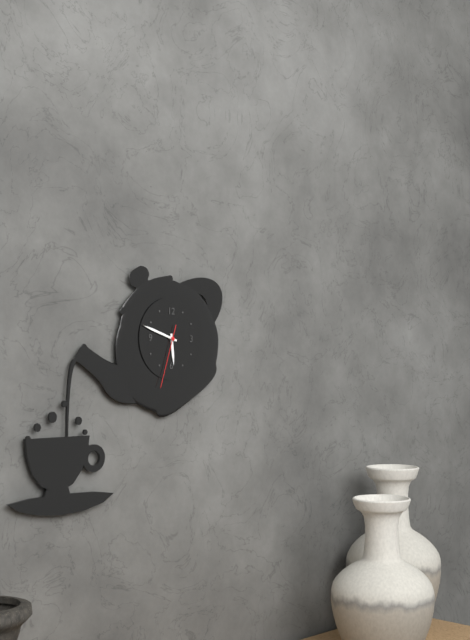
5.48.33
